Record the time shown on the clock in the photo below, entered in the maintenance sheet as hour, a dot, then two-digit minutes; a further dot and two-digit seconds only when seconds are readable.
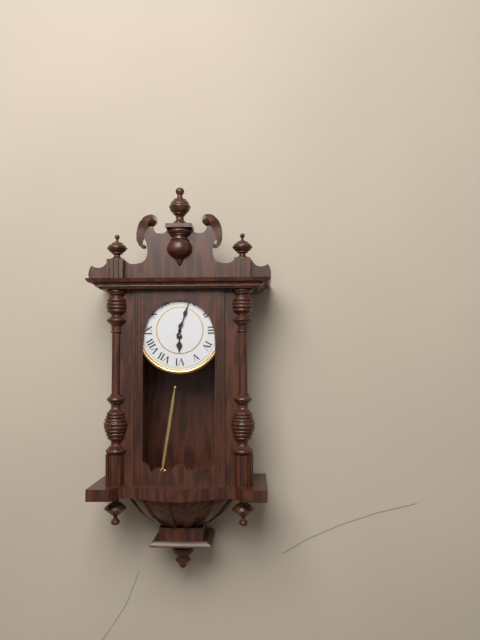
6.03
